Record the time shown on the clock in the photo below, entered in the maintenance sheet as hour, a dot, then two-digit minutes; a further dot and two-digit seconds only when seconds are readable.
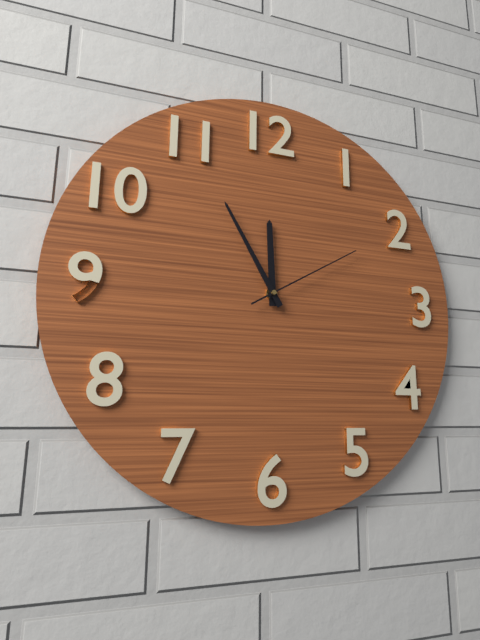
11.55.10
